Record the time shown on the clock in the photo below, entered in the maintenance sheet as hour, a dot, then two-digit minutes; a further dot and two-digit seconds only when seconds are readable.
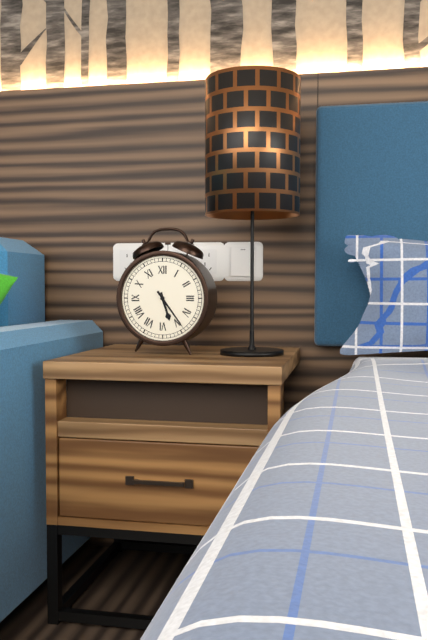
5.24
